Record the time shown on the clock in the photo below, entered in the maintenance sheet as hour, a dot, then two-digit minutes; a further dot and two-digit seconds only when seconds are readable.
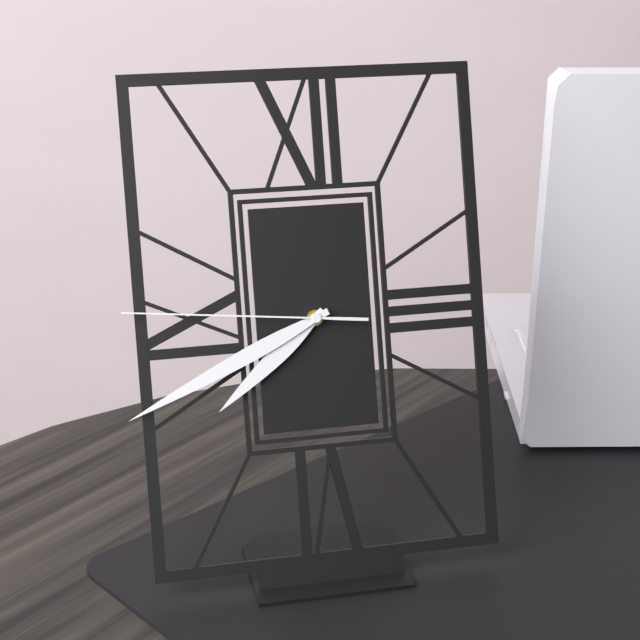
7.41.46
